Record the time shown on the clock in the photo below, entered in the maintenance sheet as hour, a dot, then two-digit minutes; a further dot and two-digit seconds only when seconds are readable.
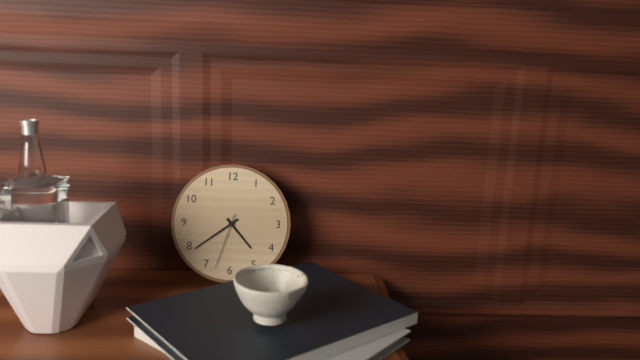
4.39.33
